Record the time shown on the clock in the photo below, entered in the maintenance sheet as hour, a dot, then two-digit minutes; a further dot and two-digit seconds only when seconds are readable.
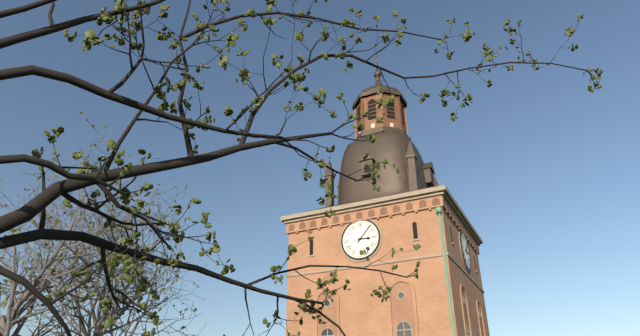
3.07
